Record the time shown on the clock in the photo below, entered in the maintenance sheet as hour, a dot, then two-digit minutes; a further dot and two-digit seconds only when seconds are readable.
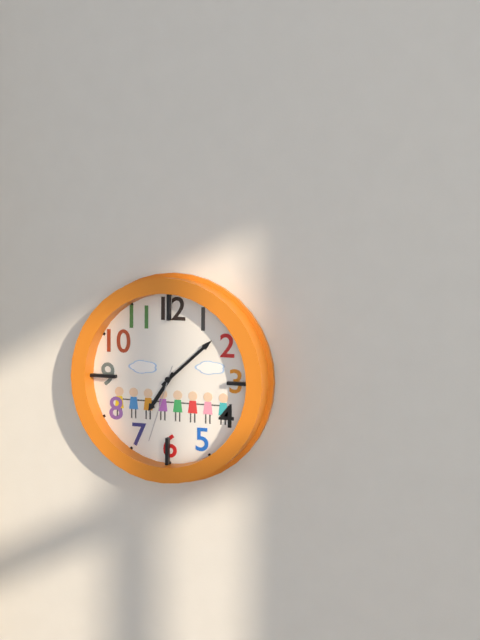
7.08.33
